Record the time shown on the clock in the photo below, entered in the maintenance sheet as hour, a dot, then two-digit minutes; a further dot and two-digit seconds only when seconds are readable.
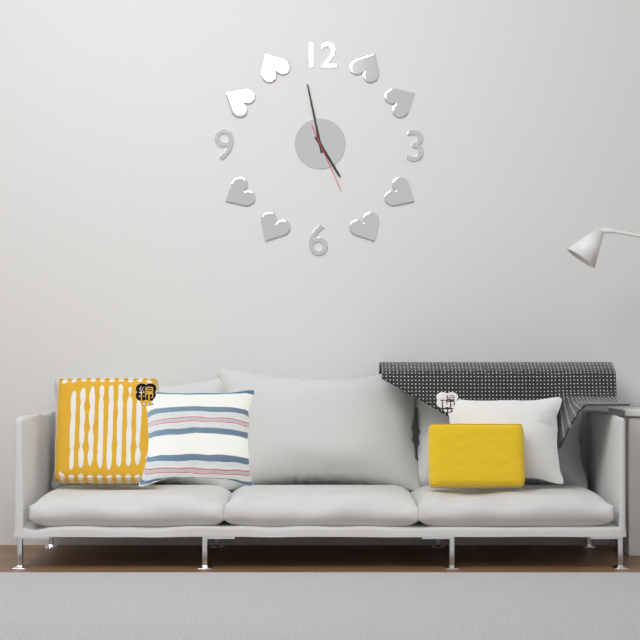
4.58.26
